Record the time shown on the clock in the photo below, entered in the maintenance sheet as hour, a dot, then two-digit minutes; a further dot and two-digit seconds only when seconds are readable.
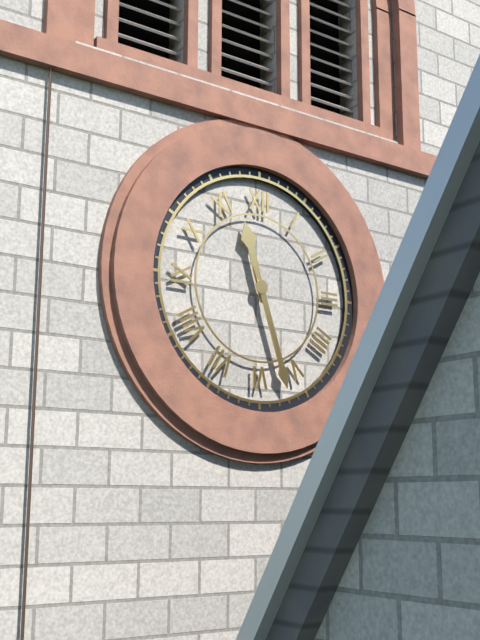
11.27
